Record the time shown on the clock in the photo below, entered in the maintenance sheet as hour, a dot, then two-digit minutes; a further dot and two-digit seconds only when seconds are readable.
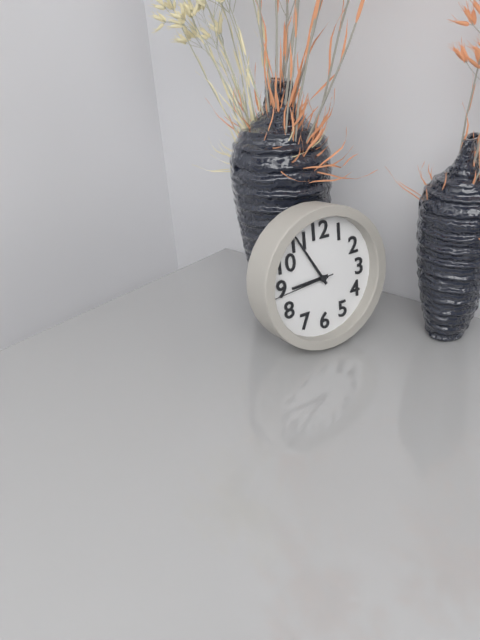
8.55.44
